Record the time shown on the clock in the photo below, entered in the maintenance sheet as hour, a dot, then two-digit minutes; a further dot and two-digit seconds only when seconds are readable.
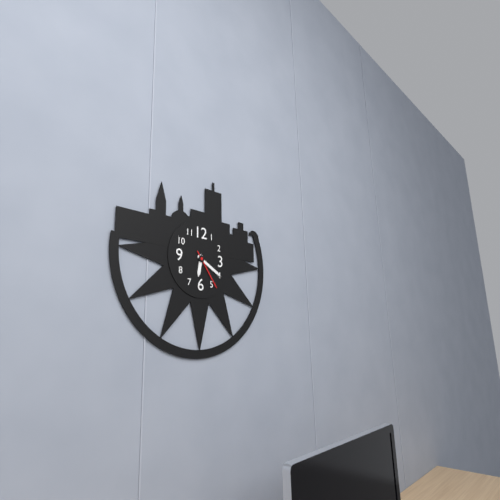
6.20
